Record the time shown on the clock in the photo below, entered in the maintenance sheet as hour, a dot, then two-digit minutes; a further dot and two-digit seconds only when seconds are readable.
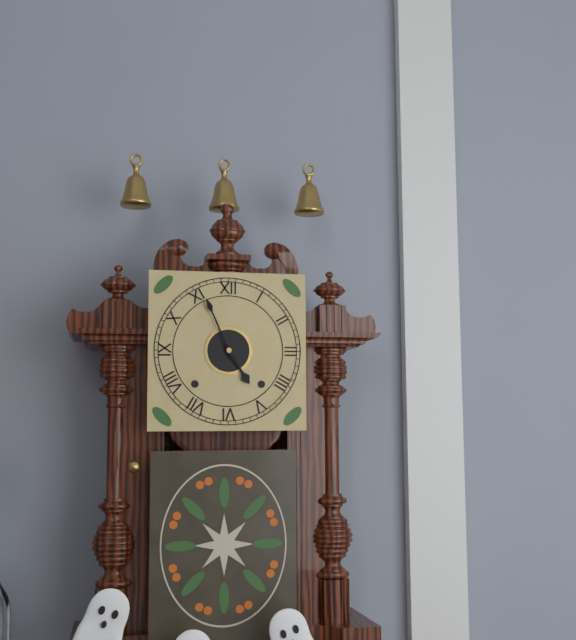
4.56
